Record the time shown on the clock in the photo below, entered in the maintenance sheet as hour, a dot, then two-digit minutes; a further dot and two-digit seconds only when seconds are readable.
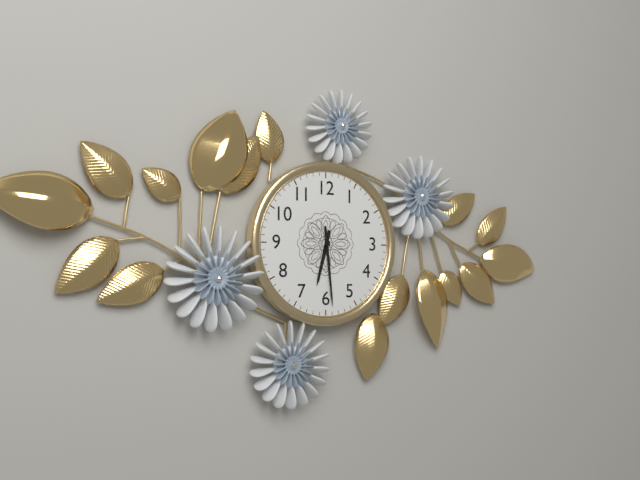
6.29
